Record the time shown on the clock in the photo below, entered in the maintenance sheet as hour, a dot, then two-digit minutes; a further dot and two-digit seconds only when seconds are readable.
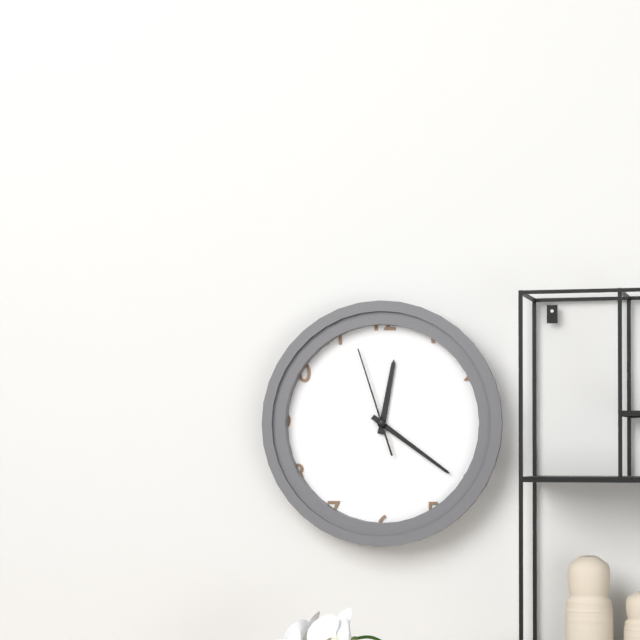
12.21.57
